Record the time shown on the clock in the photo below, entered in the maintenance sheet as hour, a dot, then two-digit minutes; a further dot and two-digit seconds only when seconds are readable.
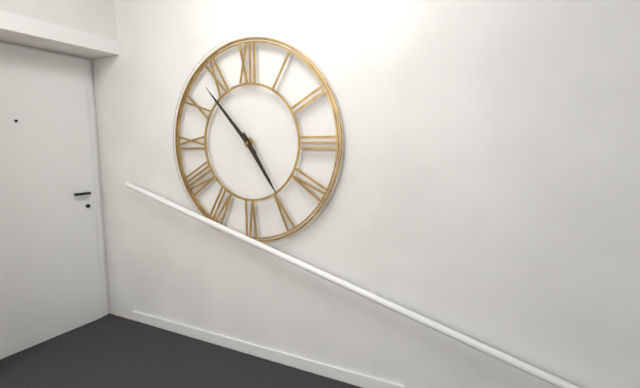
4.53
